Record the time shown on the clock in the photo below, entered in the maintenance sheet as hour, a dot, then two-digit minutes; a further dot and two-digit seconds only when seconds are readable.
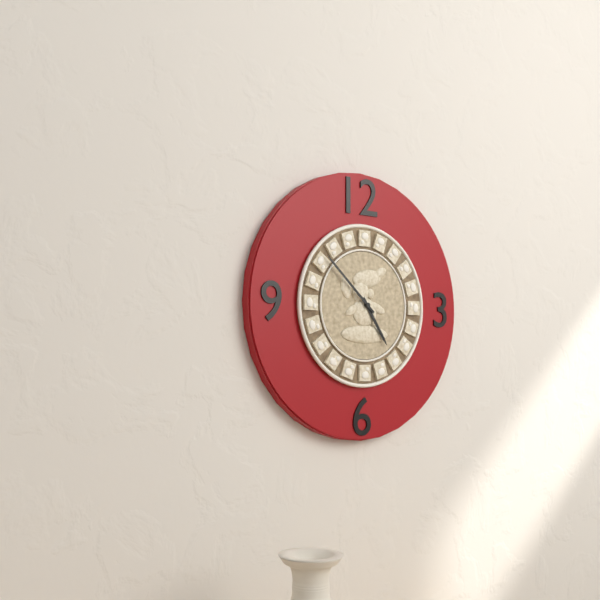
4.52
